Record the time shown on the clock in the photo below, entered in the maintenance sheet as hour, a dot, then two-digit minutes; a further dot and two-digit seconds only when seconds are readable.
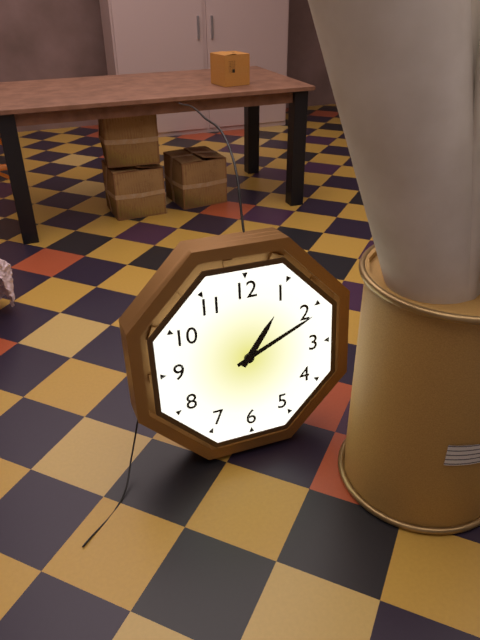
1.11
